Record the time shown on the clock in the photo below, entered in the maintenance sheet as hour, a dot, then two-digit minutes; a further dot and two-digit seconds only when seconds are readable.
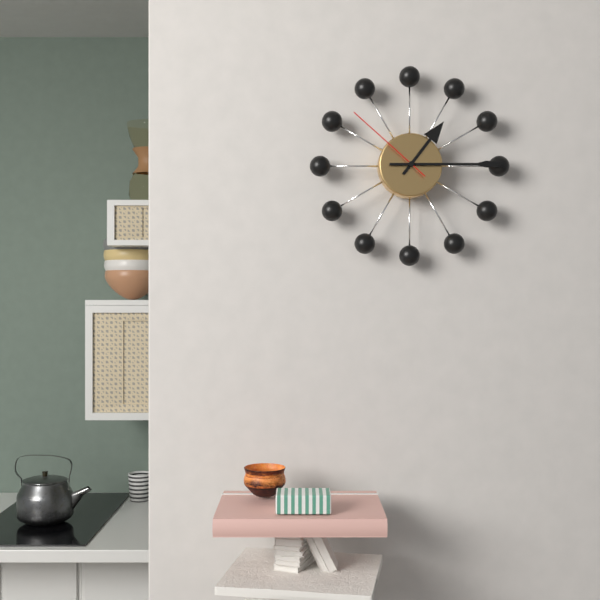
1.15.52
